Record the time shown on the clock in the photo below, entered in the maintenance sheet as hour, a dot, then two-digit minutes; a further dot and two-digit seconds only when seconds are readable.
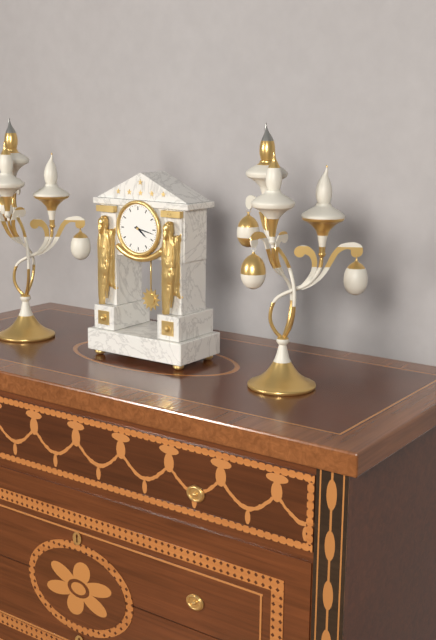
4.17
